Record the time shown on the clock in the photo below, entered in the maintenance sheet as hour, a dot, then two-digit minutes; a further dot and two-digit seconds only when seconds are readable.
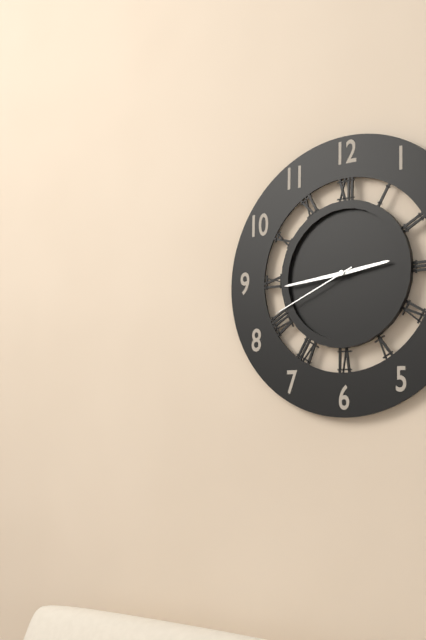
2.44.41
